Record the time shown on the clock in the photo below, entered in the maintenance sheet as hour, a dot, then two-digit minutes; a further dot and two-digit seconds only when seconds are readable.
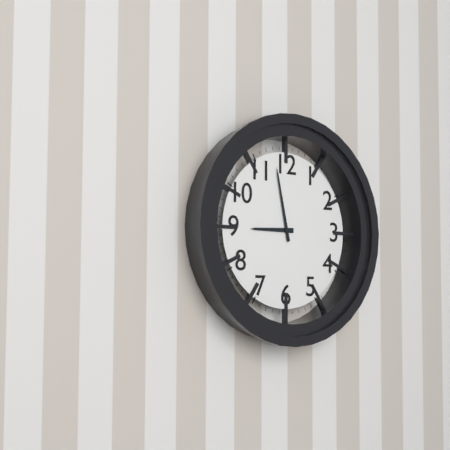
8.58
